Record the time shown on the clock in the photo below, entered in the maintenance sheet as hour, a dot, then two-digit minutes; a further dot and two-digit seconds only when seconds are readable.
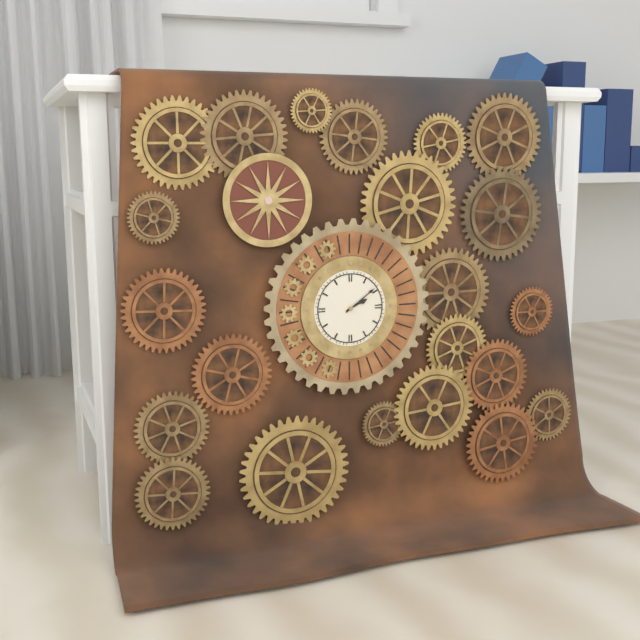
2.09
